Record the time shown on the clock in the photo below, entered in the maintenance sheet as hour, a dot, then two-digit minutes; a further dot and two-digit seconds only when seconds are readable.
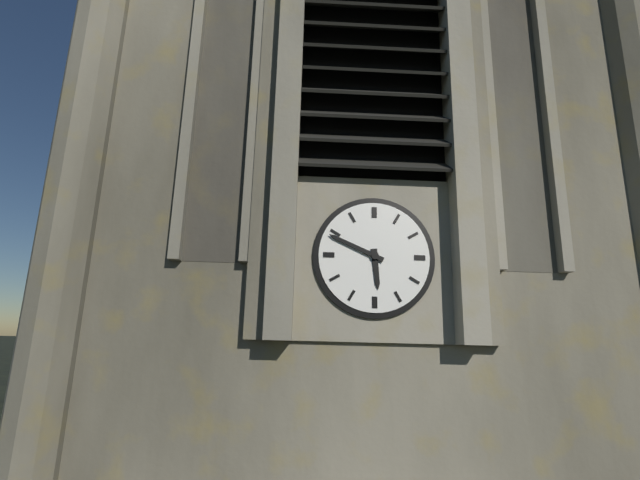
5.49
